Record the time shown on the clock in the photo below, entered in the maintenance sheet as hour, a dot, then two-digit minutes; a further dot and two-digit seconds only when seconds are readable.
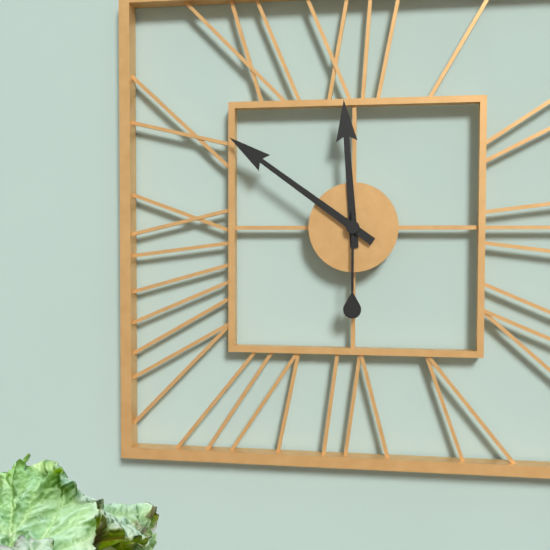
11.51.30
